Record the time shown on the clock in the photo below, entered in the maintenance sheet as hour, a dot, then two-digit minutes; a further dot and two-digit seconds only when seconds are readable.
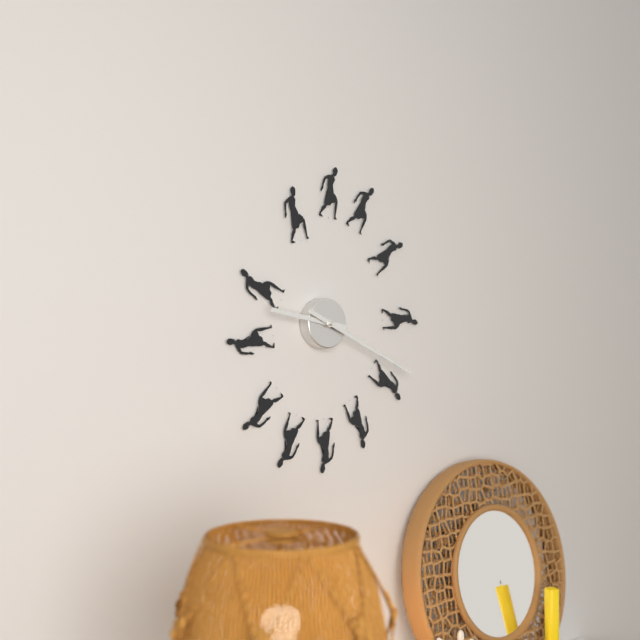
9.19
